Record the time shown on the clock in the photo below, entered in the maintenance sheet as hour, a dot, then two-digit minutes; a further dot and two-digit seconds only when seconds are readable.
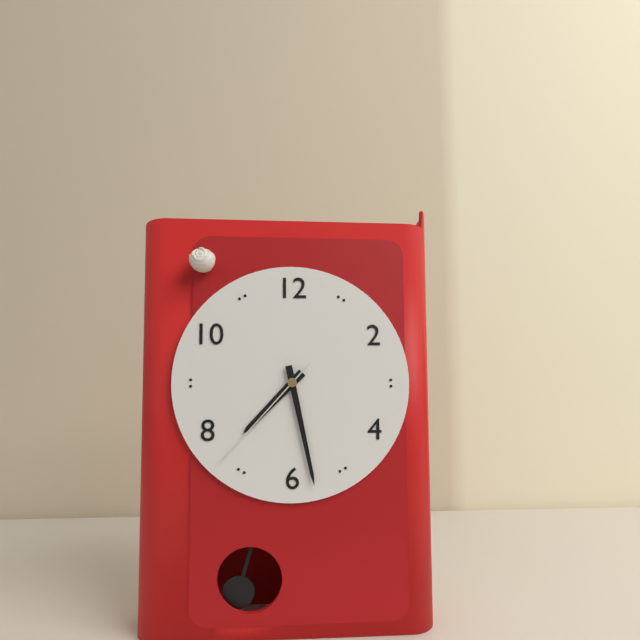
7.28.37
